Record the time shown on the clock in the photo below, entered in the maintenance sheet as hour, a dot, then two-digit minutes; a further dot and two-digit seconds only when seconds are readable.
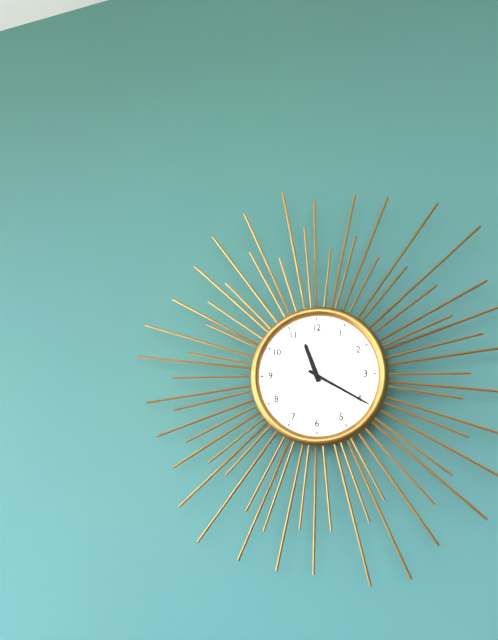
11.20
